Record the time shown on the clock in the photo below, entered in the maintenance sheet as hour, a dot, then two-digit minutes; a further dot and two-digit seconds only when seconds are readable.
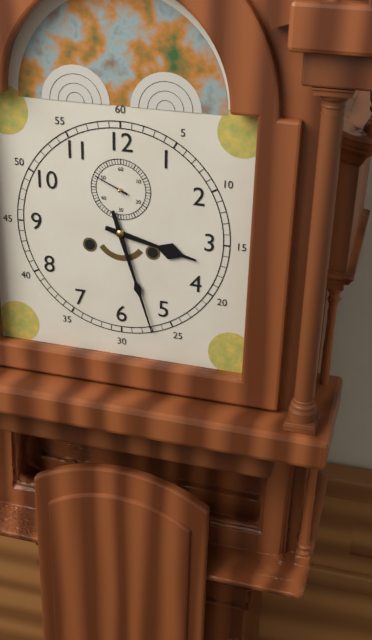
3.27
